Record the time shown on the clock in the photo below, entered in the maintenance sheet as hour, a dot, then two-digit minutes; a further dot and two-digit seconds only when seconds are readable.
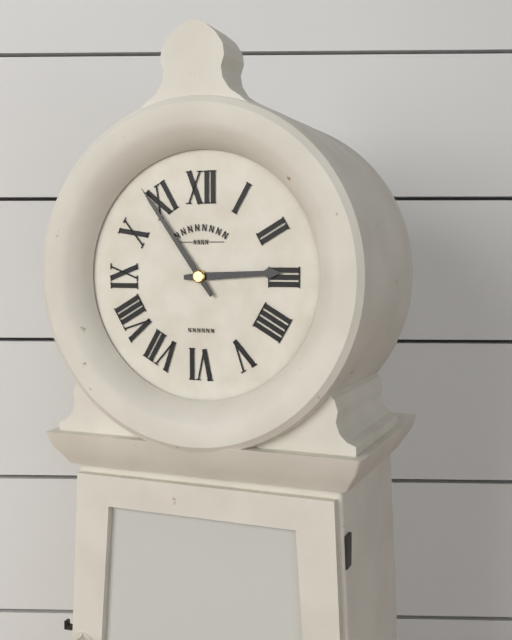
2.54
